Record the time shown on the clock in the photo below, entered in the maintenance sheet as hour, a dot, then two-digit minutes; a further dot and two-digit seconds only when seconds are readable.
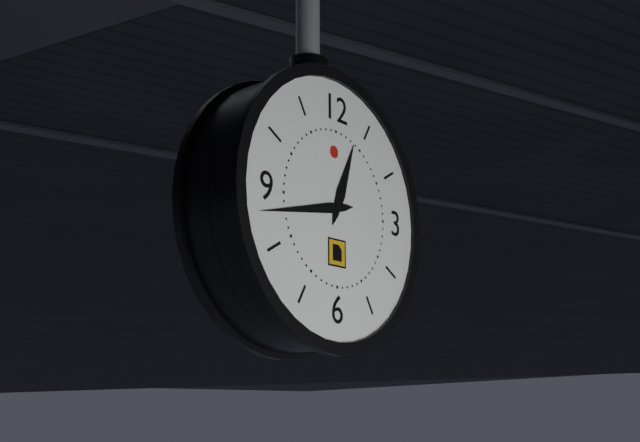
12.43
